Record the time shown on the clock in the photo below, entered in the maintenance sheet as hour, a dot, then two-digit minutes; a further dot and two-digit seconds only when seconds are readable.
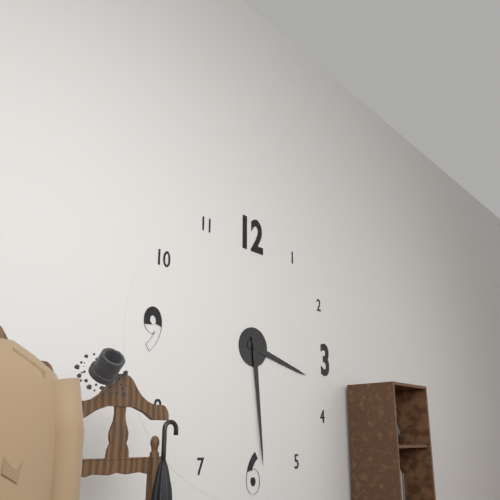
3.29
